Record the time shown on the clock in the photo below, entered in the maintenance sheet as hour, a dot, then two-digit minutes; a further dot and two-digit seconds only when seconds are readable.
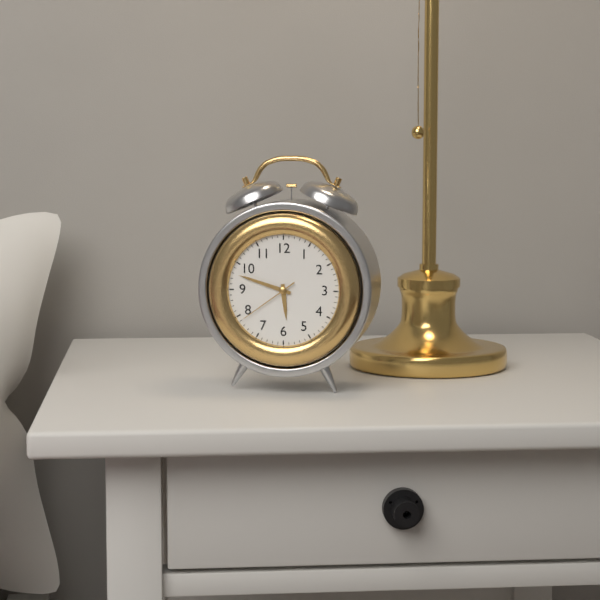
5.48.39
